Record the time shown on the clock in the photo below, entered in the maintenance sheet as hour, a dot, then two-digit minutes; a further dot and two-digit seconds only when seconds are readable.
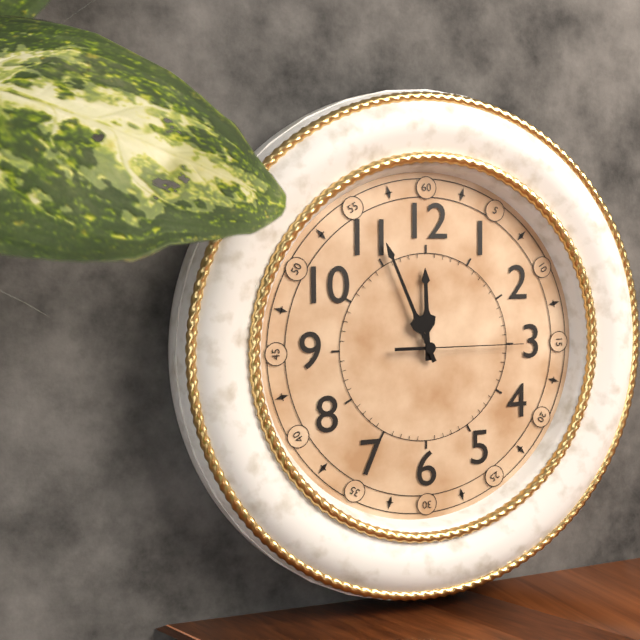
11.56.15
